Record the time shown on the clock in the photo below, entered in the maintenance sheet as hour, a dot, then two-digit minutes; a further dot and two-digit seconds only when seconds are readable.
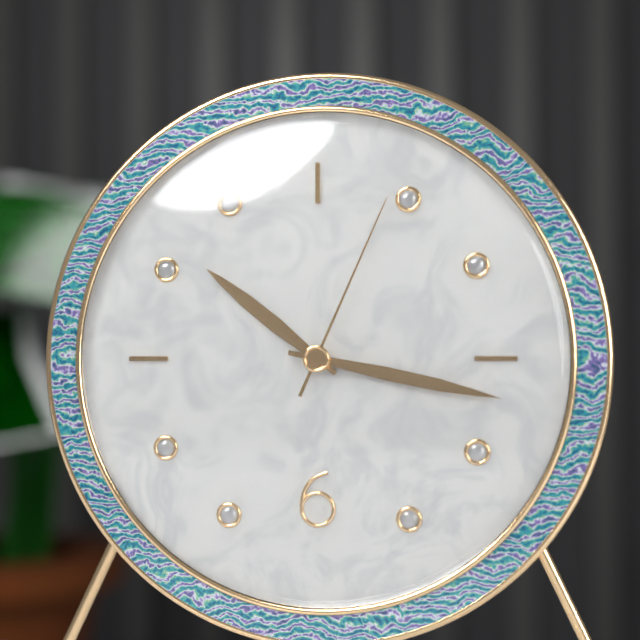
10.17.04
